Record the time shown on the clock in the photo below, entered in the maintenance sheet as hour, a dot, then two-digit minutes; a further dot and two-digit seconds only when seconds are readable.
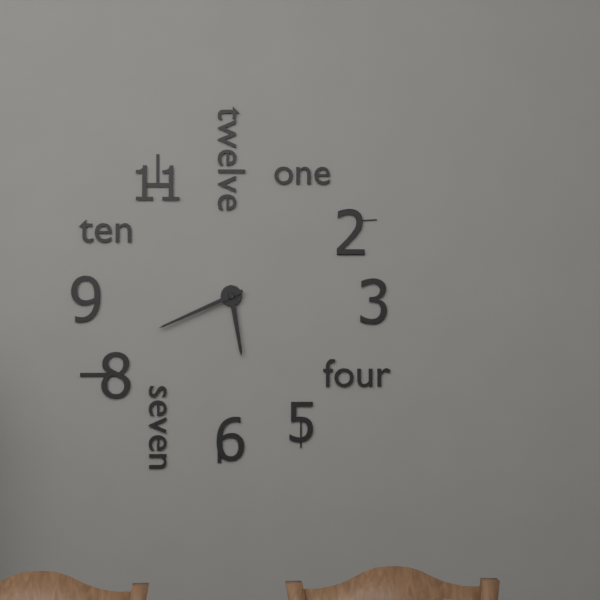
5.41
